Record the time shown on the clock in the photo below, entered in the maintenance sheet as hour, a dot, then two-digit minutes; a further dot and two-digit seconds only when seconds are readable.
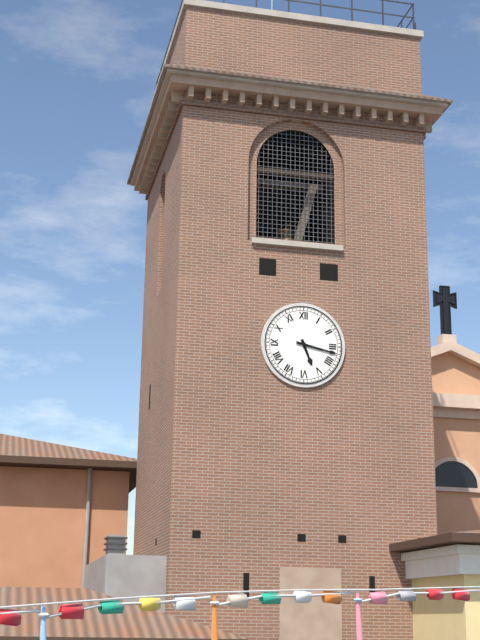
5.17
